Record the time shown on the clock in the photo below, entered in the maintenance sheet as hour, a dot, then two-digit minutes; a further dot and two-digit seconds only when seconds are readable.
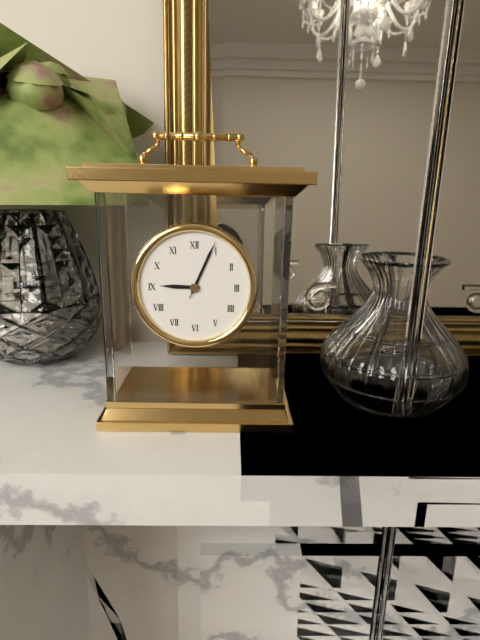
9.04.04
